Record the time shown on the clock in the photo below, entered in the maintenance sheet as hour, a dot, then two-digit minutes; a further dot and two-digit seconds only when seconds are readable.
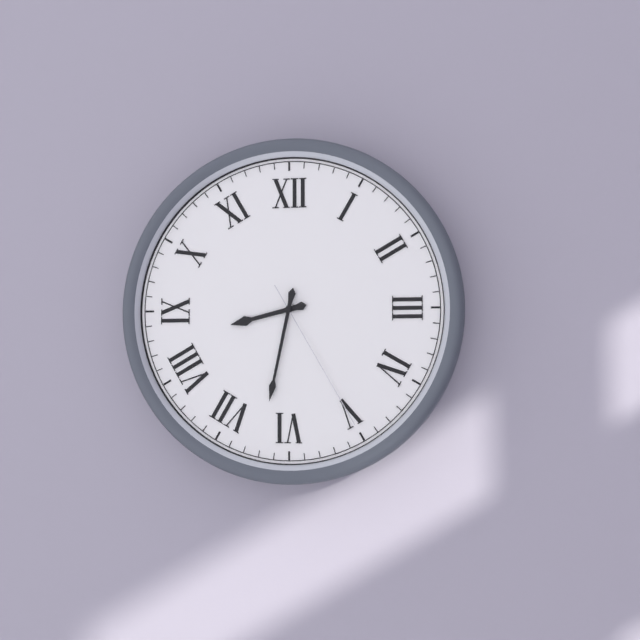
8.32.25
